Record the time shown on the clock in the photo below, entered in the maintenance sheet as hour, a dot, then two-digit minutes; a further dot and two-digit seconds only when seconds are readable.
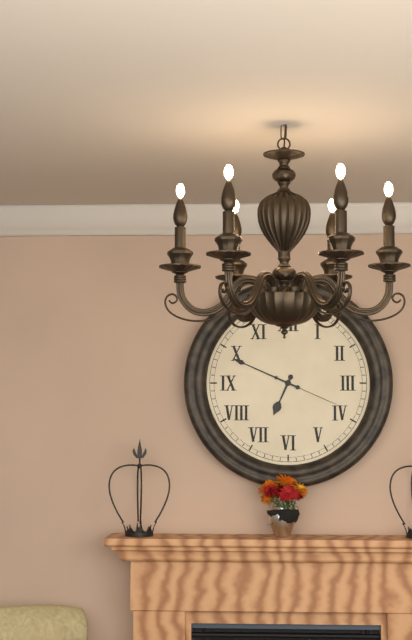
6.49.19
